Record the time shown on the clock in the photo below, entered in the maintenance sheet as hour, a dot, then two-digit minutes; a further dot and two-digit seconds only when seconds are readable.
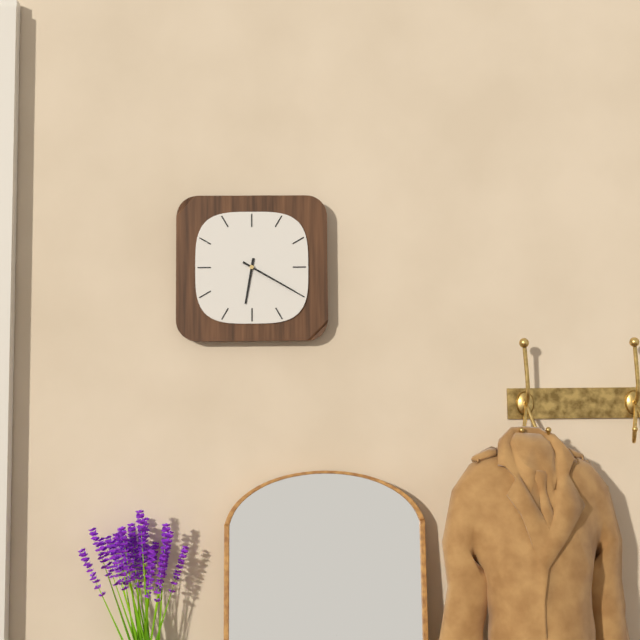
6.20
